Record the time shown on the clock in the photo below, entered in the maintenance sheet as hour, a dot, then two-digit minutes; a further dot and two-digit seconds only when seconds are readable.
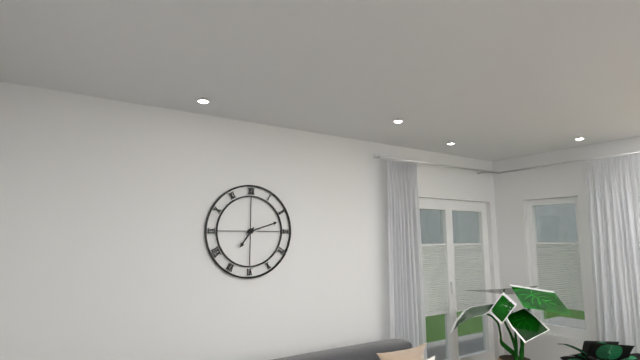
7.12
